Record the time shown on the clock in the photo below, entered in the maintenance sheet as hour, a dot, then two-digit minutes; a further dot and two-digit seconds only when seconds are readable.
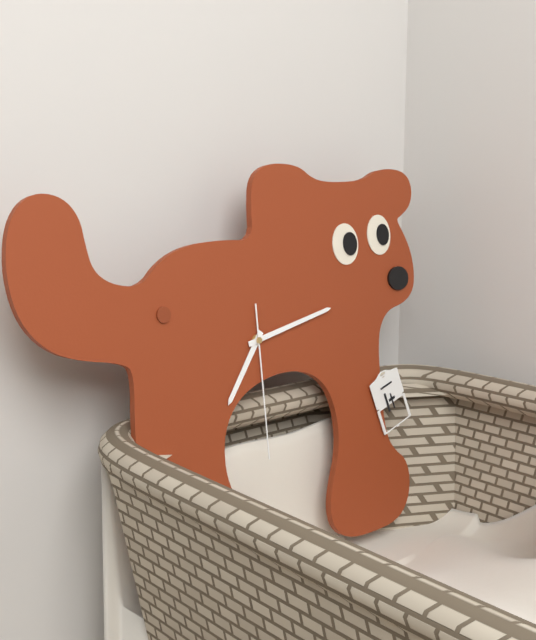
7.13.30
